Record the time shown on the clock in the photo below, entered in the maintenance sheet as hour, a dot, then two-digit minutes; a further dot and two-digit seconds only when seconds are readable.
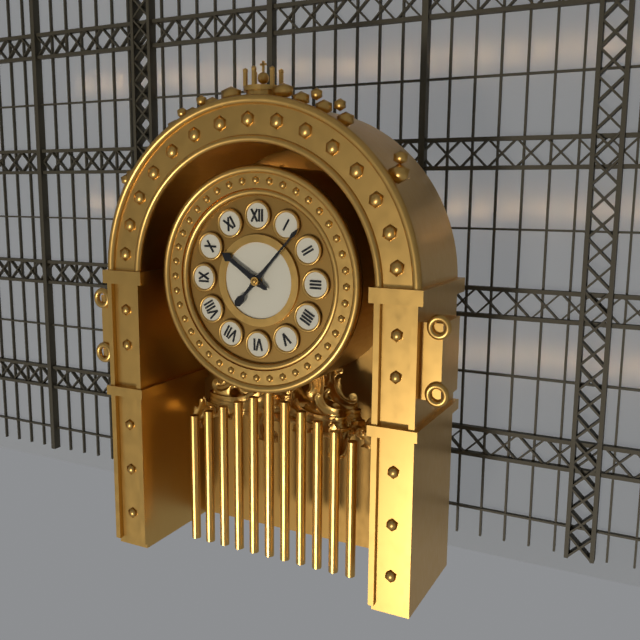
10.07
